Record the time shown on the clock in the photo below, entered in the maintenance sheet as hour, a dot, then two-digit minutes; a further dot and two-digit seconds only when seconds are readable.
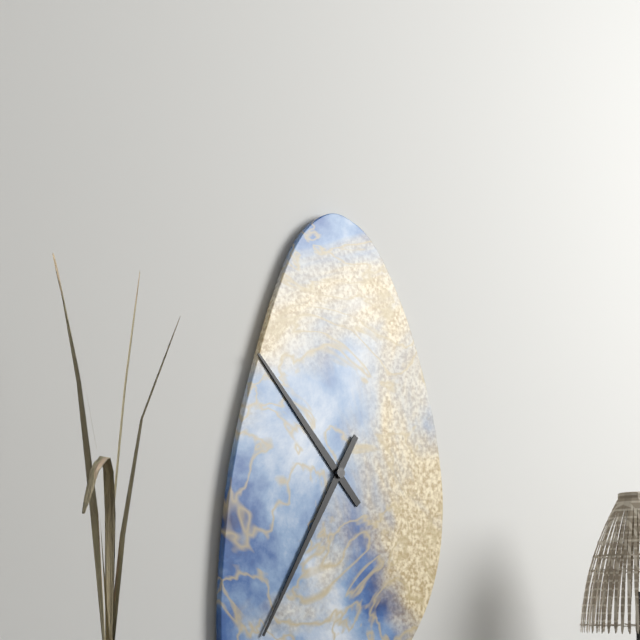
10.35
